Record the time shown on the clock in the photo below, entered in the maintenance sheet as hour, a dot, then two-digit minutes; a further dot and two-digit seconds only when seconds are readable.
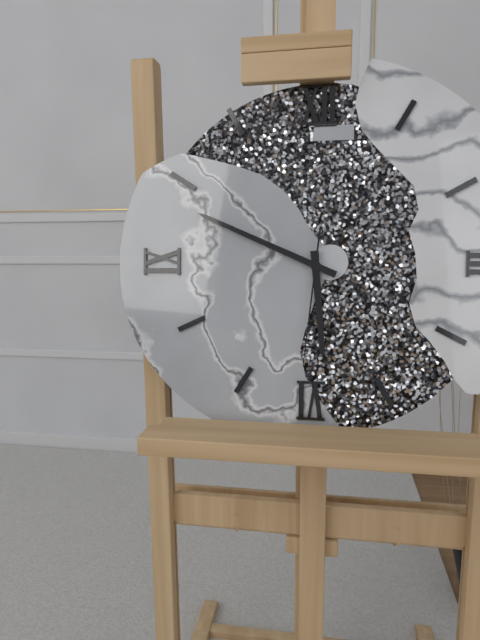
5.49.31
